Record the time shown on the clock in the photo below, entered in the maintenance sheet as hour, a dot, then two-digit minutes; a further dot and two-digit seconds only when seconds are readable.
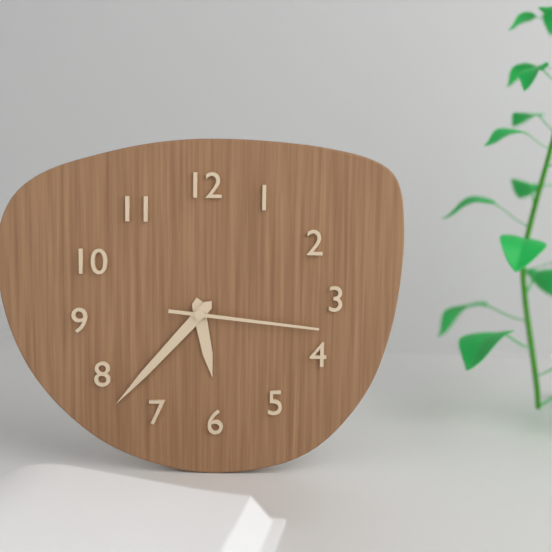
5.37.16
